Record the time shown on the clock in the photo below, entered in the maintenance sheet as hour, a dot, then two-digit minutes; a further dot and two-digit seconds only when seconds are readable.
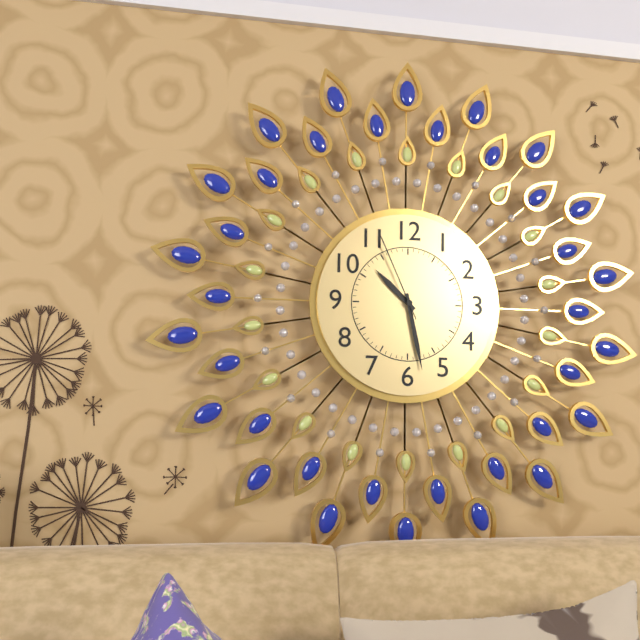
10.28.56
